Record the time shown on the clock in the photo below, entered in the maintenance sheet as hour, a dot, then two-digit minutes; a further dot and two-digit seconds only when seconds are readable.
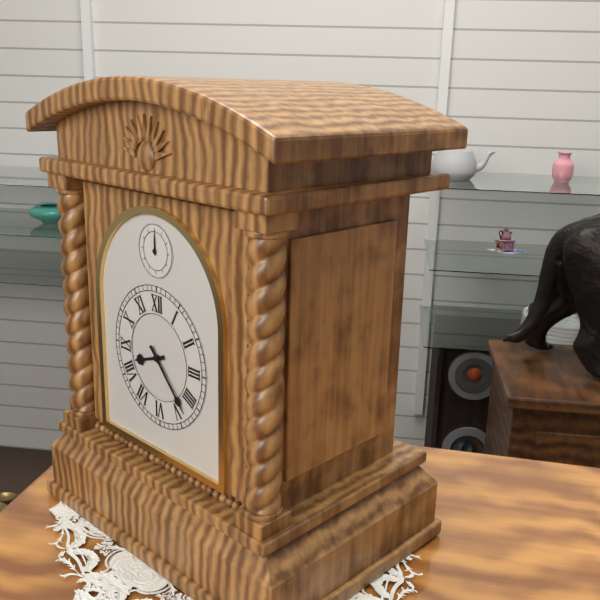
8.23
